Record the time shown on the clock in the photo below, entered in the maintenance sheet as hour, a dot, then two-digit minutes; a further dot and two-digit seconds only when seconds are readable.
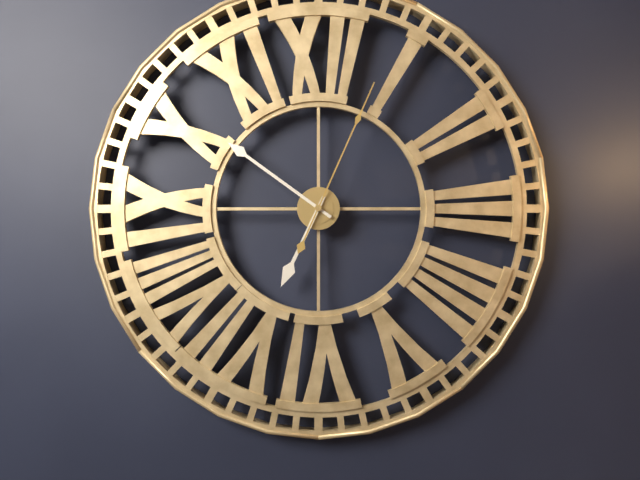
6.51.04
